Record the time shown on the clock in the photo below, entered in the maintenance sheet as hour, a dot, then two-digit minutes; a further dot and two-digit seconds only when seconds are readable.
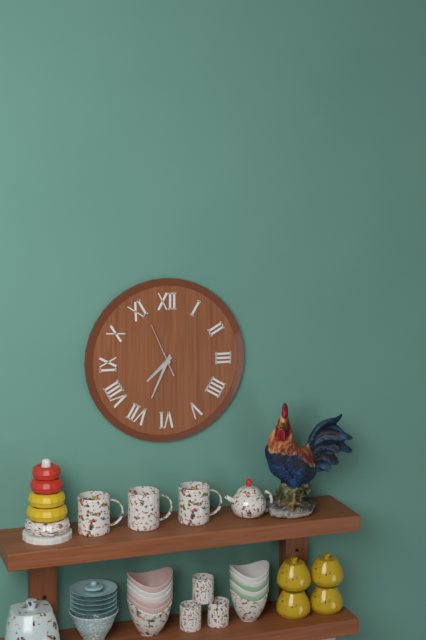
7.34.56
